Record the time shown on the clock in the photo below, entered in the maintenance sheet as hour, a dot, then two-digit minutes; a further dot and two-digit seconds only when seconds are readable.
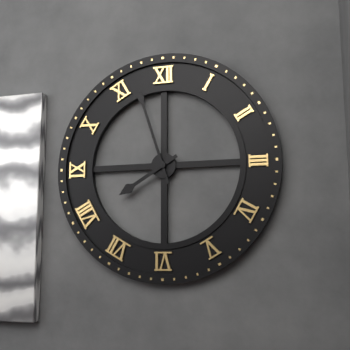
7.57
